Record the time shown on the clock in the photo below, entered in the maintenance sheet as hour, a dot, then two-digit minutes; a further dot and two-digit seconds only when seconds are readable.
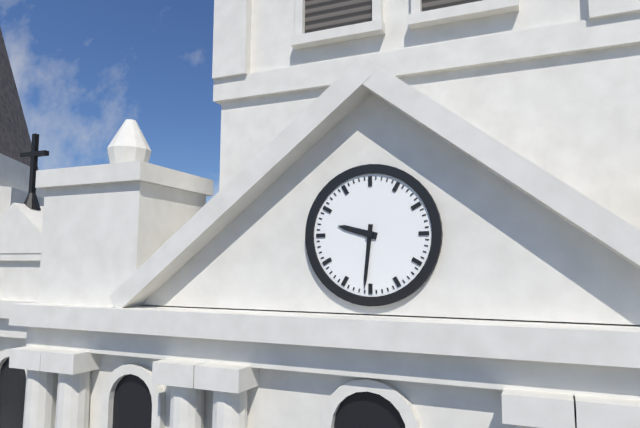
9.31
